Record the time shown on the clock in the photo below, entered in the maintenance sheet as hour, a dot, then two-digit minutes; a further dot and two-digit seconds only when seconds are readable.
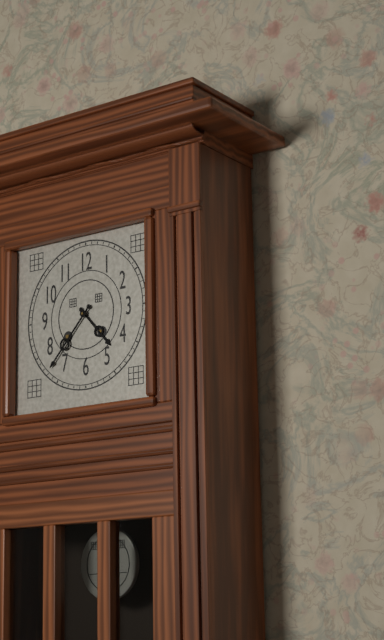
4.37
